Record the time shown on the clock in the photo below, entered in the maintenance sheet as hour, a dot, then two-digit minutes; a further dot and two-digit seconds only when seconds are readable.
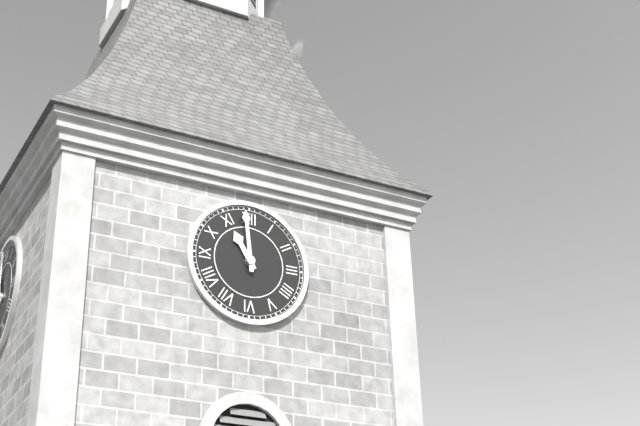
10.59
